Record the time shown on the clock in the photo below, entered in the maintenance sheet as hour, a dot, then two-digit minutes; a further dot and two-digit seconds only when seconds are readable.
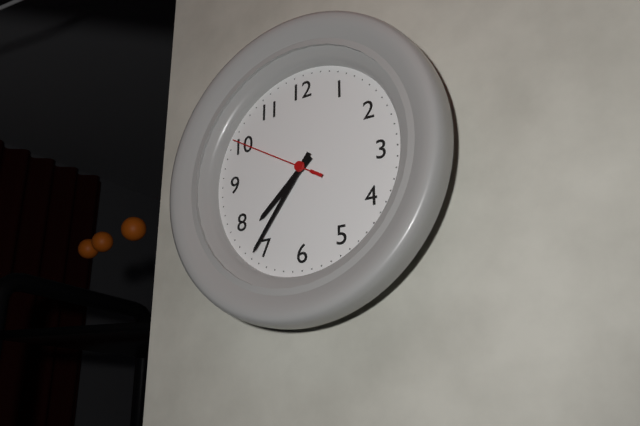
7.36.50
